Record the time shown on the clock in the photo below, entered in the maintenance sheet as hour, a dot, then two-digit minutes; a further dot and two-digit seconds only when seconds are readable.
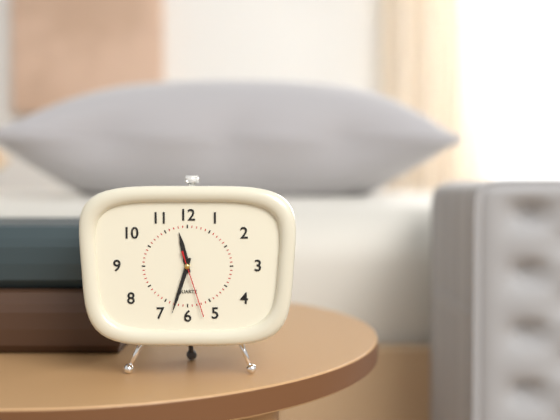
11.33.27
